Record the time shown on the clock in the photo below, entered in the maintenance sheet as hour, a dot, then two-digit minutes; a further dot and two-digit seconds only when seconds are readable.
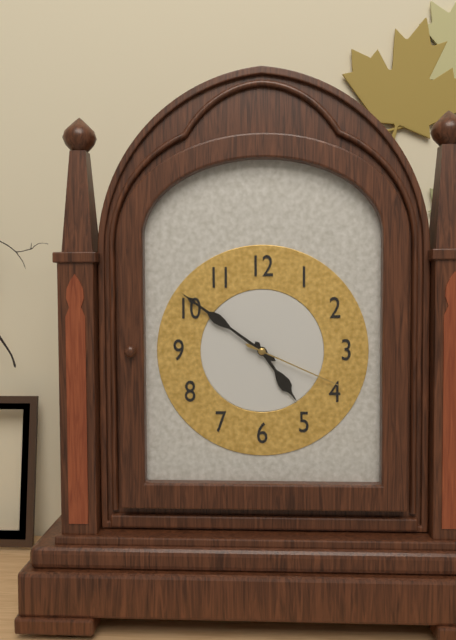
4.51.19
